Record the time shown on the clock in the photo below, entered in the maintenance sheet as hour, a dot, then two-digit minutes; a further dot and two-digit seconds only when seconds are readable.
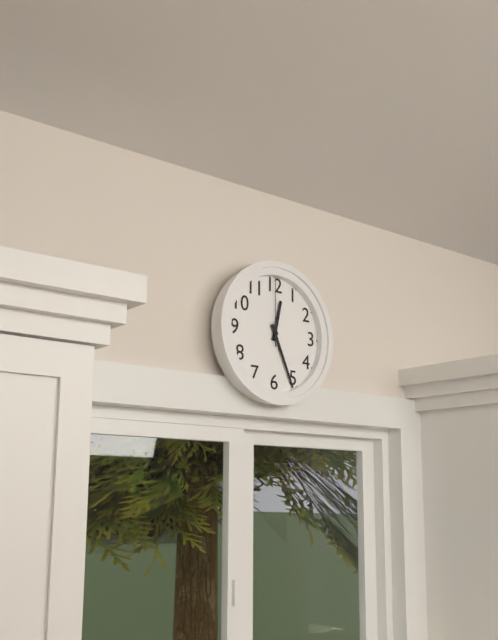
12.26.00
